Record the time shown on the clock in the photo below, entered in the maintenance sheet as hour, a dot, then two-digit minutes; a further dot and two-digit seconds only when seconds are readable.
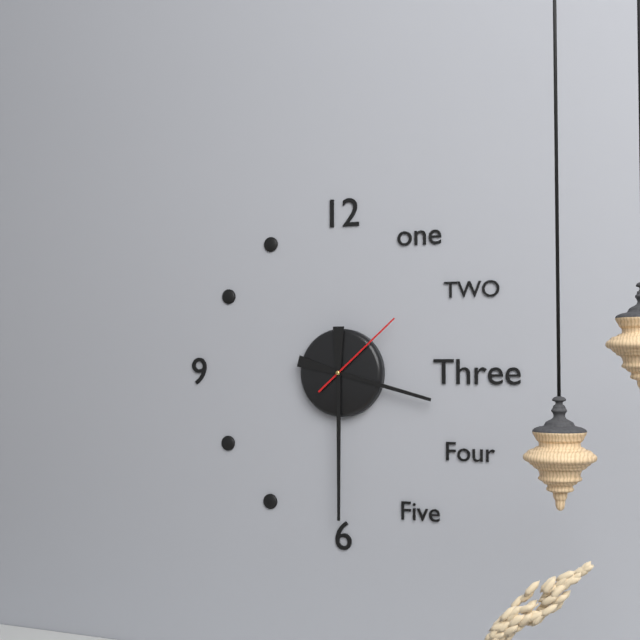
3.30.08
